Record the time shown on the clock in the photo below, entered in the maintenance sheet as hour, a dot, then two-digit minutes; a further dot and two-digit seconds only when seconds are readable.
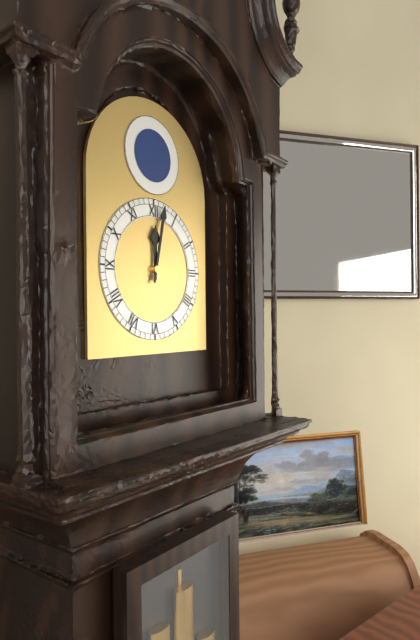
12.02
